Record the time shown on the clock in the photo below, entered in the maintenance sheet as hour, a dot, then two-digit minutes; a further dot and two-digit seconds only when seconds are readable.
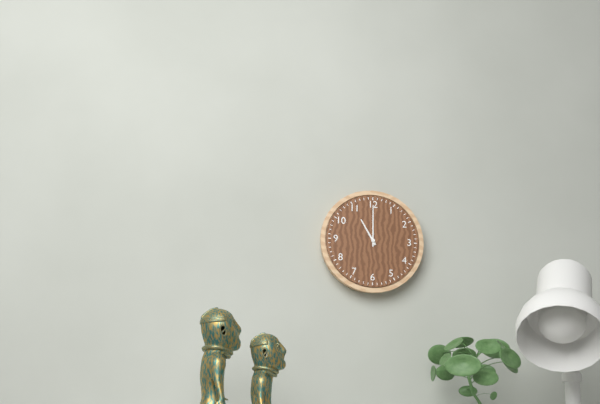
11.00
